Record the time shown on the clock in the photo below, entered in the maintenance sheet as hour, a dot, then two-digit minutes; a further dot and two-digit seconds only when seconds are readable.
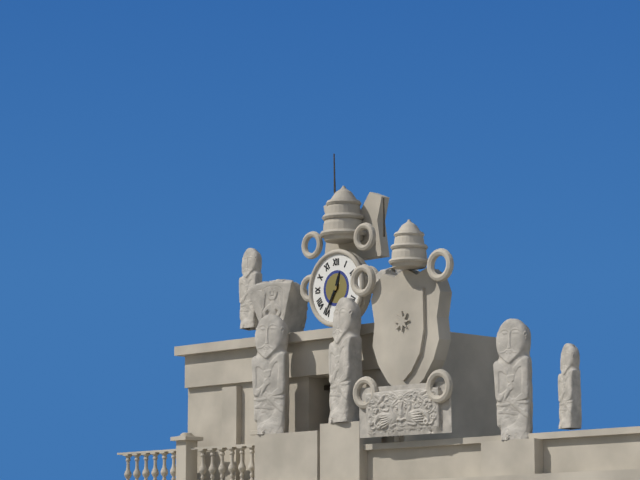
12.35
